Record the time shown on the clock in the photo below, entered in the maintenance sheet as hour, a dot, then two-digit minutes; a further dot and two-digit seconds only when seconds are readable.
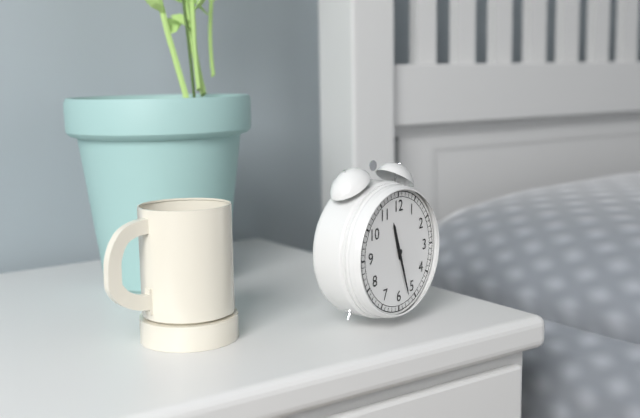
11.27
